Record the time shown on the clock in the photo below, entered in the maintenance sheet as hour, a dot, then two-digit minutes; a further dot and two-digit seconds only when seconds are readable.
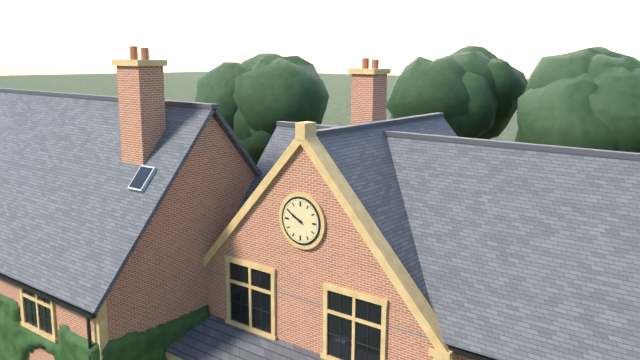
9.50
